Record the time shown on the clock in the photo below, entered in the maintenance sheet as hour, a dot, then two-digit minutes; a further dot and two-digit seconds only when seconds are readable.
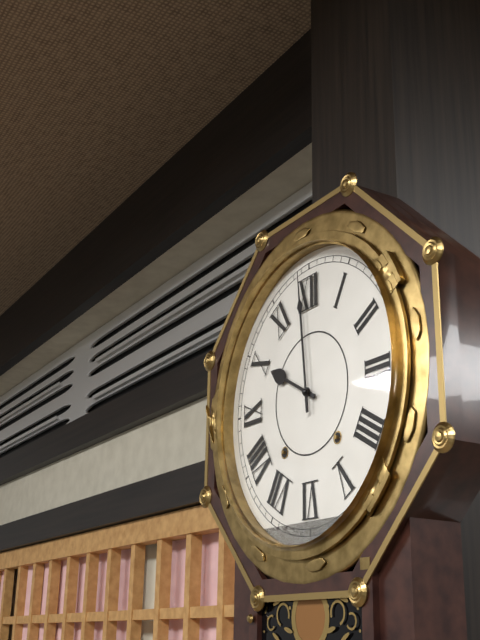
9.59
